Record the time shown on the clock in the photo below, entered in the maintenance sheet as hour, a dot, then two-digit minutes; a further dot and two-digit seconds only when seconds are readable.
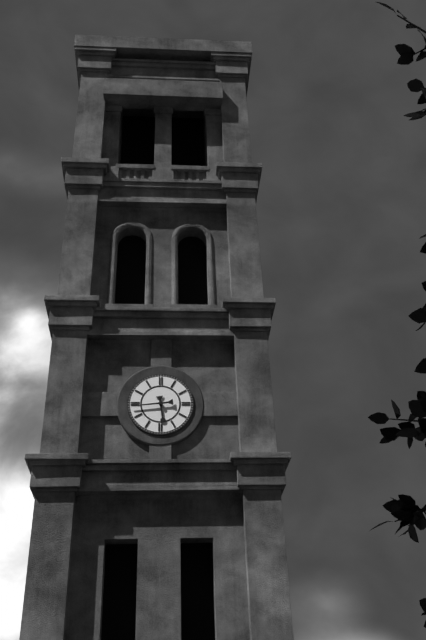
5.44
